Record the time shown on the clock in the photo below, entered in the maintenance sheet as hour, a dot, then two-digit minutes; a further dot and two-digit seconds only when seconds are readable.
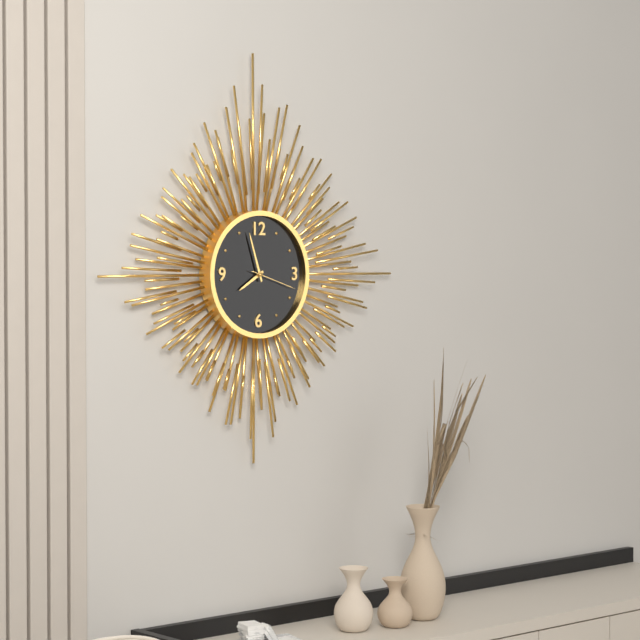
7.57
